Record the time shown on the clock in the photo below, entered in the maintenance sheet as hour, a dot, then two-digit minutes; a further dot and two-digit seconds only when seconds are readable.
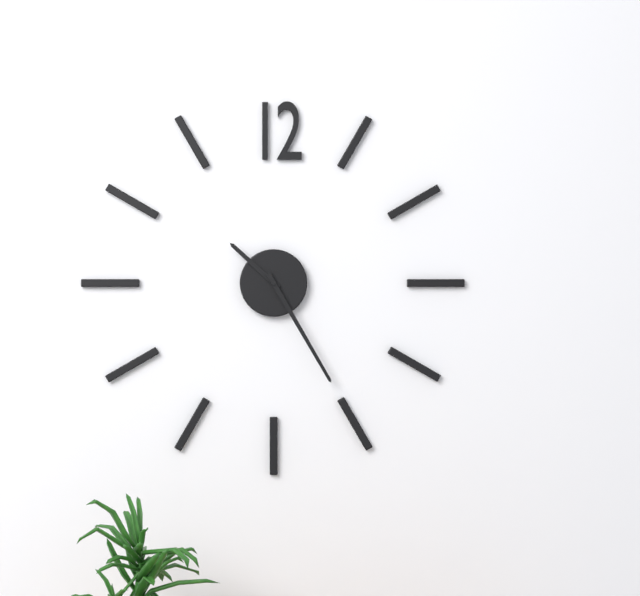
10.25
